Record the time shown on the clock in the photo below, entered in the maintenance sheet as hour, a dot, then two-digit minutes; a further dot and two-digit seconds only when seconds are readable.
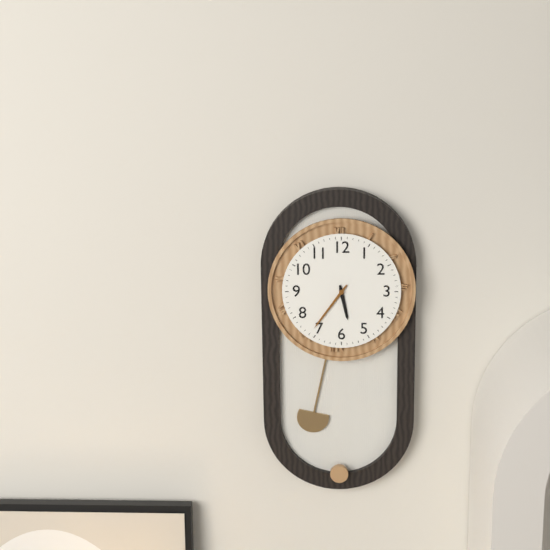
5.36
